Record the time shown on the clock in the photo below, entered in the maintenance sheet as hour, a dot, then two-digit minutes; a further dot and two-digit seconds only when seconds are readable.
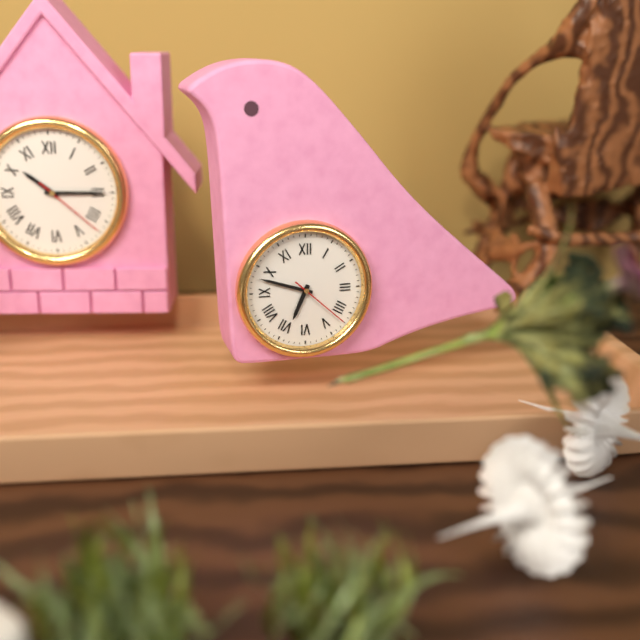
6.48.22
